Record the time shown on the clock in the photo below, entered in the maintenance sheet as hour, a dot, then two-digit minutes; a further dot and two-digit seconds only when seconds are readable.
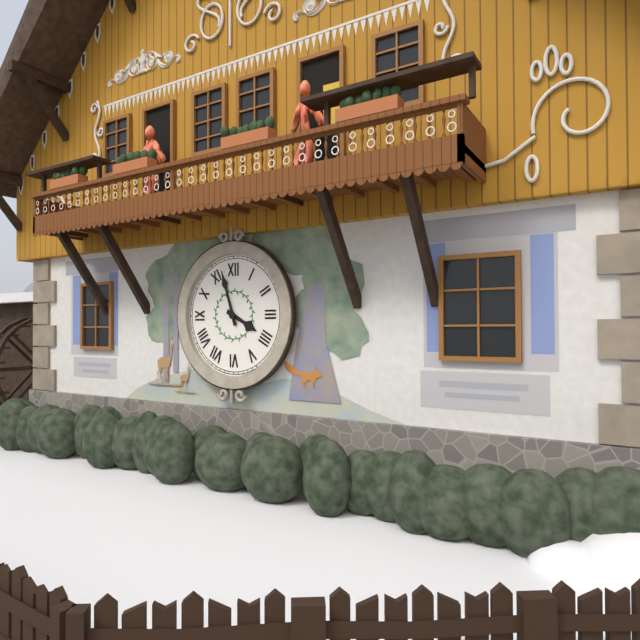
3.57
